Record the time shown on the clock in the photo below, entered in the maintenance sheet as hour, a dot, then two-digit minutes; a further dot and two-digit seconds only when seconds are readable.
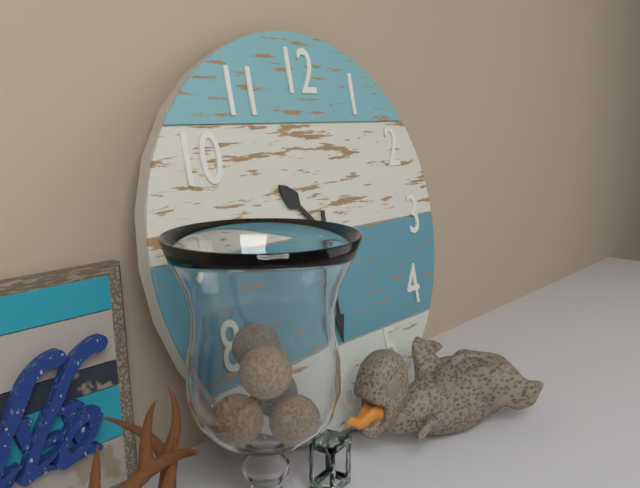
10.30
